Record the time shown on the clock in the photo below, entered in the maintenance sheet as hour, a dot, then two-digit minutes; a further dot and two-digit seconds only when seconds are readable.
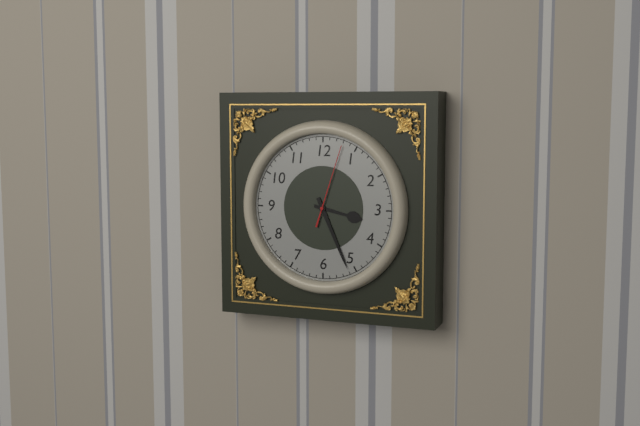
3.26.03
